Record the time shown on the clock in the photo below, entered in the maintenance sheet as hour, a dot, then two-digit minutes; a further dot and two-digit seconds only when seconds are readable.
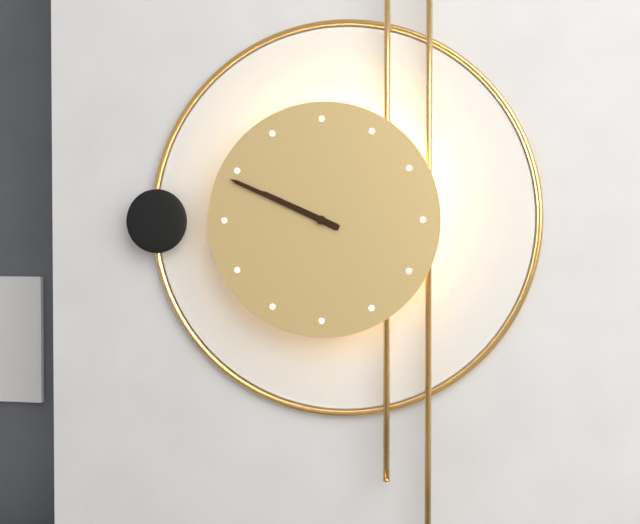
9.49
